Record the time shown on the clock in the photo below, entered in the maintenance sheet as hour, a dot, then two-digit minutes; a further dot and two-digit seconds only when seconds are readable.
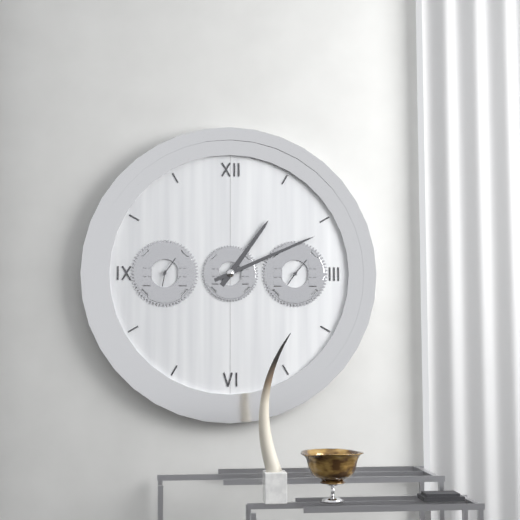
1.11
